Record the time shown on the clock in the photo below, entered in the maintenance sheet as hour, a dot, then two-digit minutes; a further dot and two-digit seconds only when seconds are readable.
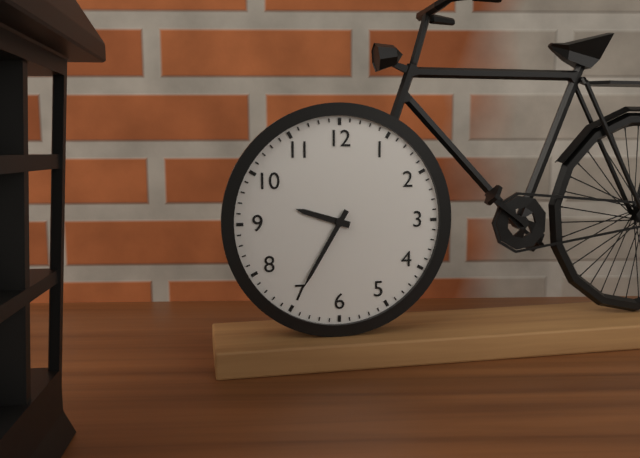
9.35
